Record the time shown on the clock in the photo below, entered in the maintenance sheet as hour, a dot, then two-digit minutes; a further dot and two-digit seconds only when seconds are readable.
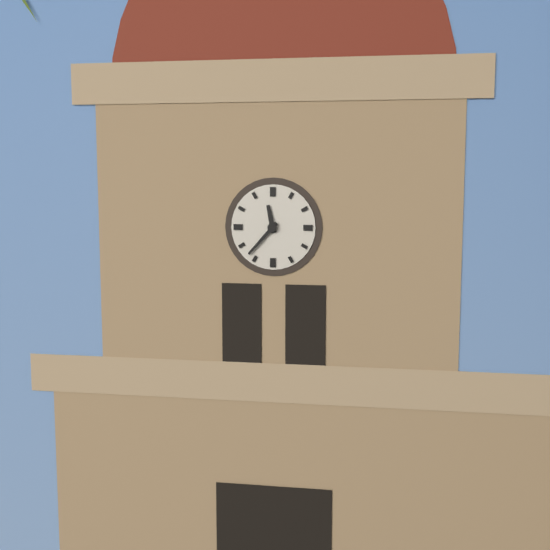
11.37
